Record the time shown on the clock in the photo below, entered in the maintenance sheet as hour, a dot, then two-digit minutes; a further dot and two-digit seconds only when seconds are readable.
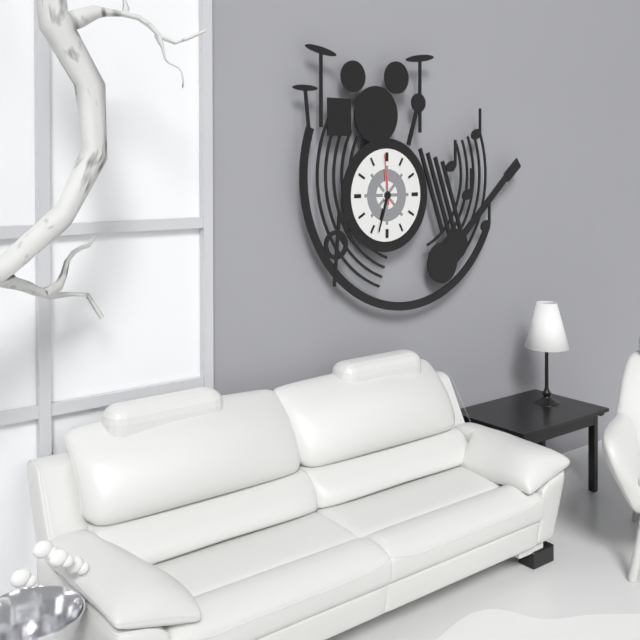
6.33.59
